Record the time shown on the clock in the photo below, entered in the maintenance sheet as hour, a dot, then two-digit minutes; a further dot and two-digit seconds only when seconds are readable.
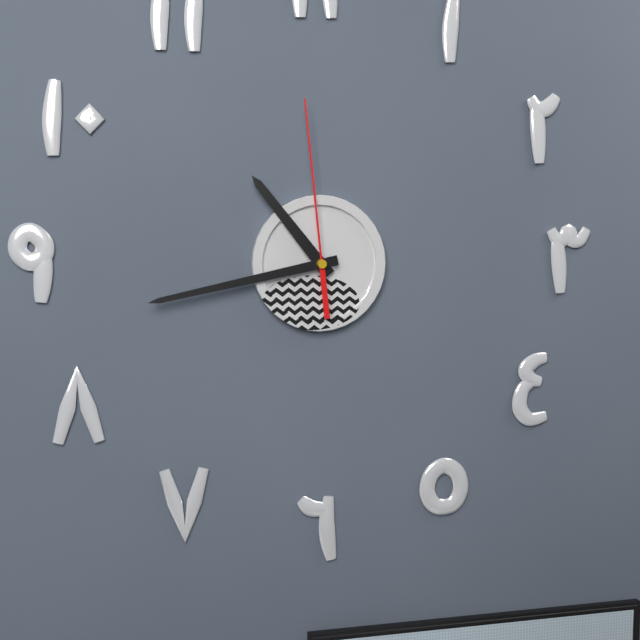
10.43.59
